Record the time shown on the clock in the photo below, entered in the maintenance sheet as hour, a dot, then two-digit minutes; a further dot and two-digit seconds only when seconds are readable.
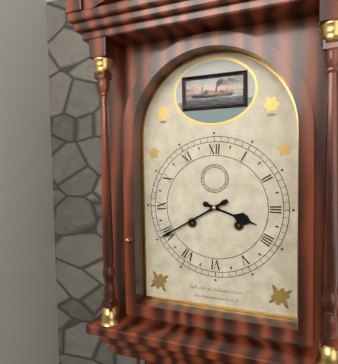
3.40
